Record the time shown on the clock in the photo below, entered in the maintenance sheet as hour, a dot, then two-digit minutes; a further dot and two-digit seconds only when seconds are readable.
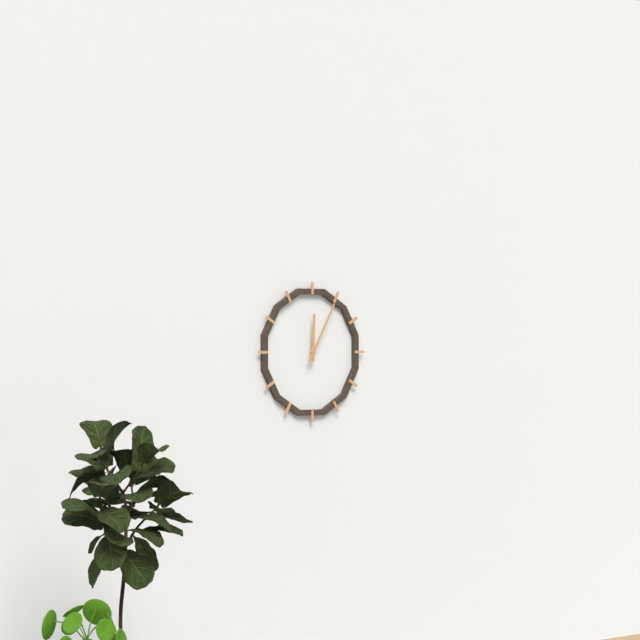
12.05
